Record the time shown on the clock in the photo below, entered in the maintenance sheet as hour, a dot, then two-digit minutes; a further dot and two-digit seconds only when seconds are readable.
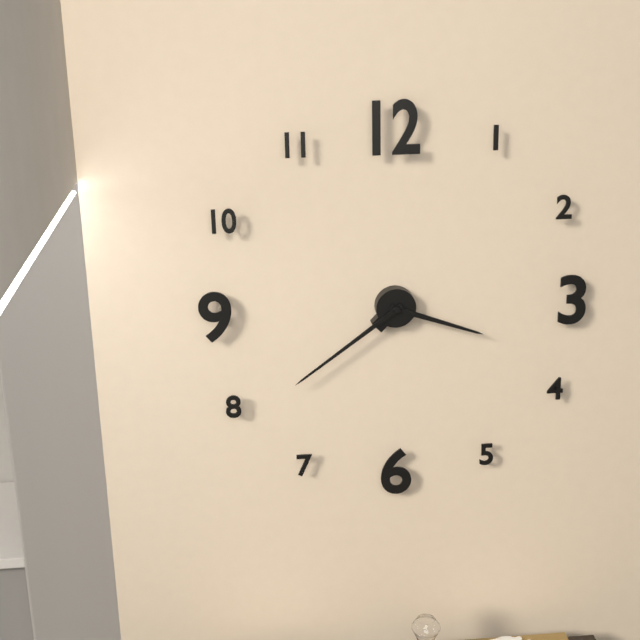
3.39
